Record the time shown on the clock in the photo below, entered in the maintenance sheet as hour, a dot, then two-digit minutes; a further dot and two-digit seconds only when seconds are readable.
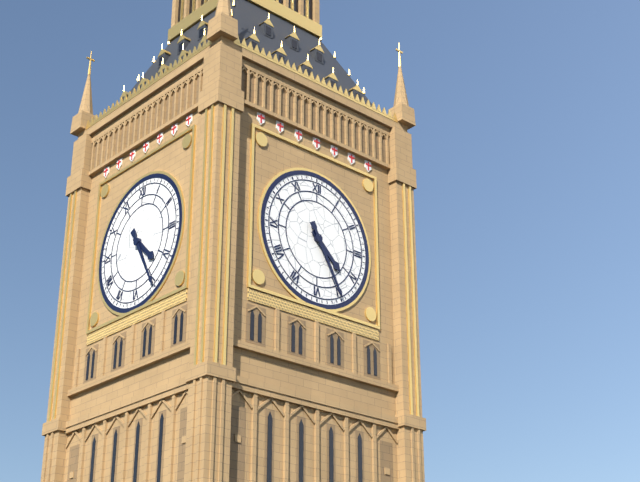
4.25
